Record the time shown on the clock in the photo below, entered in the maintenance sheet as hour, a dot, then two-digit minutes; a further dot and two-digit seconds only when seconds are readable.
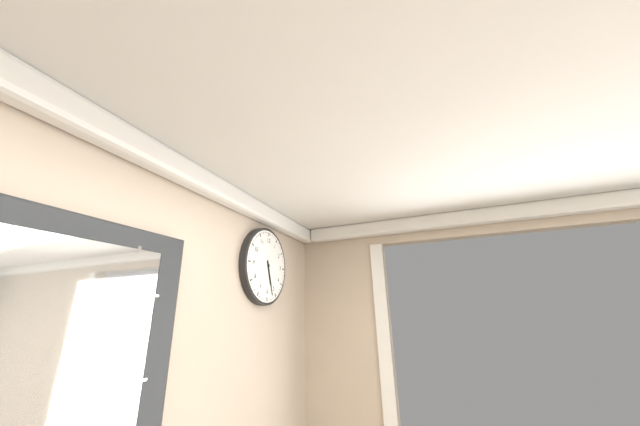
5.27
